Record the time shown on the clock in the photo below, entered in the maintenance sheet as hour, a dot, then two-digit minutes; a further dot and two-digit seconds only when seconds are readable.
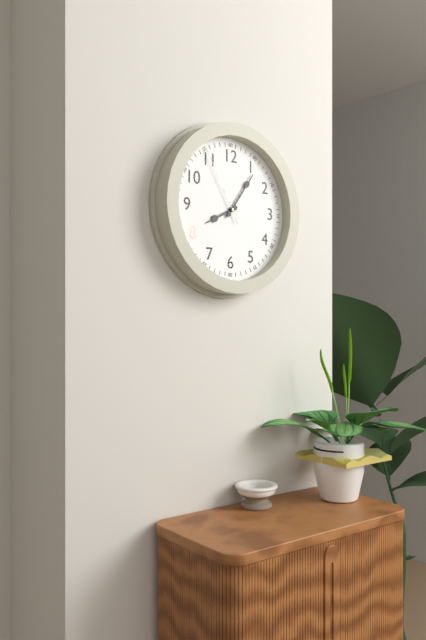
8.06.55
